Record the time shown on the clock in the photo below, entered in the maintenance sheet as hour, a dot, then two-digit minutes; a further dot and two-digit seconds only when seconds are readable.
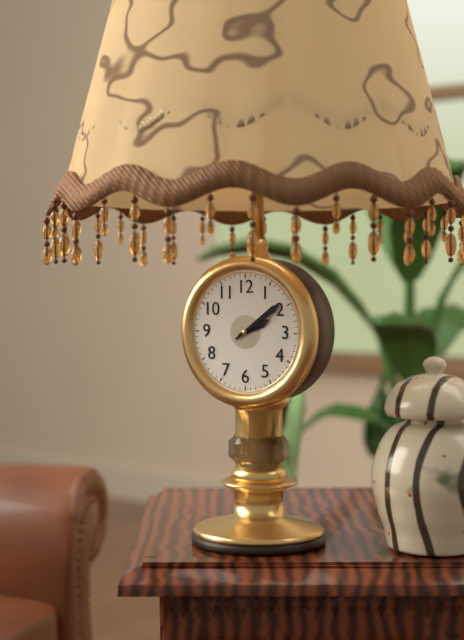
2.09
